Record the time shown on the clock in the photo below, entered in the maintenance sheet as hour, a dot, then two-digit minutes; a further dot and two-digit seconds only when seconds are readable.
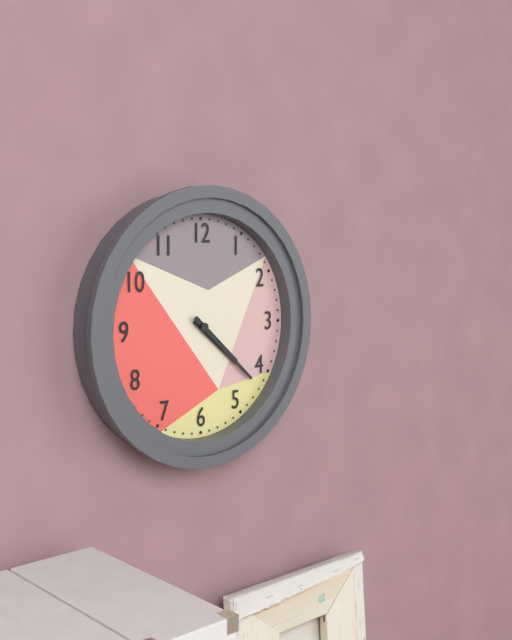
4.22
